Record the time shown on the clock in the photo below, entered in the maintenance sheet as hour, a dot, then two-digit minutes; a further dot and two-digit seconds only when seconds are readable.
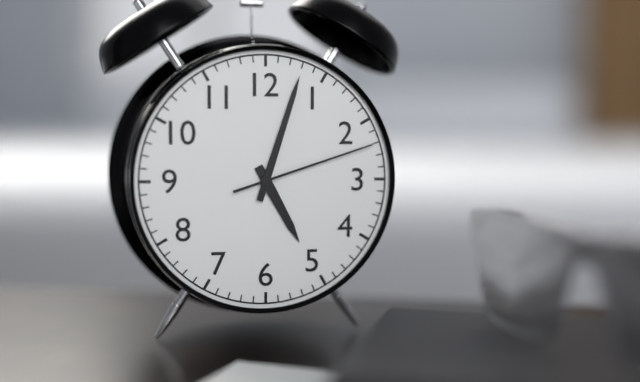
5.03.12
